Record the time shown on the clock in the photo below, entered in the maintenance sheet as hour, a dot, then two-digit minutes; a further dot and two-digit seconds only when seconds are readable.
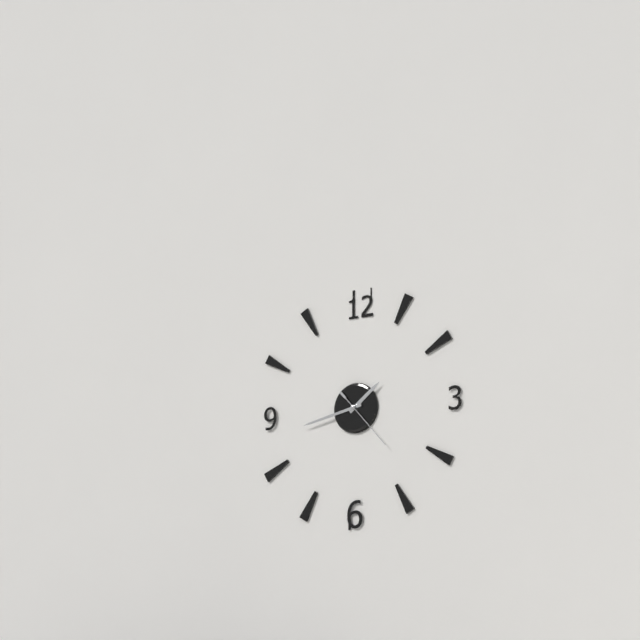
1.43.23
